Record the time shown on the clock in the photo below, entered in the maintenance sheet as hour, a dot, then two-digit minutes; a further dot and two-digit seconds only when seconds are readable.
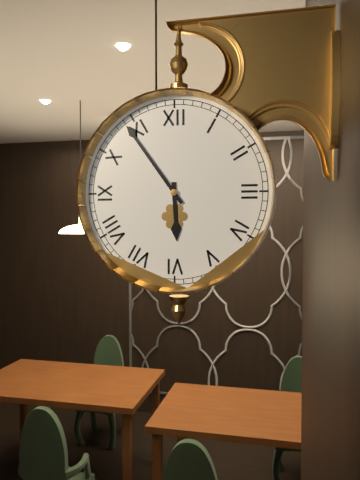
5.54
